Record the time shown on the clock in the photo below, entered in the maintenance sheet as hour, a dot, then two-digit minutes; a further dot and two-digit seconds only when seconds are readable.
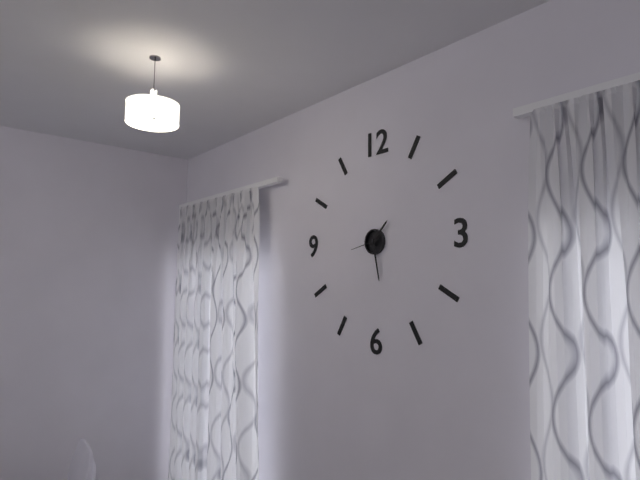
1.28
